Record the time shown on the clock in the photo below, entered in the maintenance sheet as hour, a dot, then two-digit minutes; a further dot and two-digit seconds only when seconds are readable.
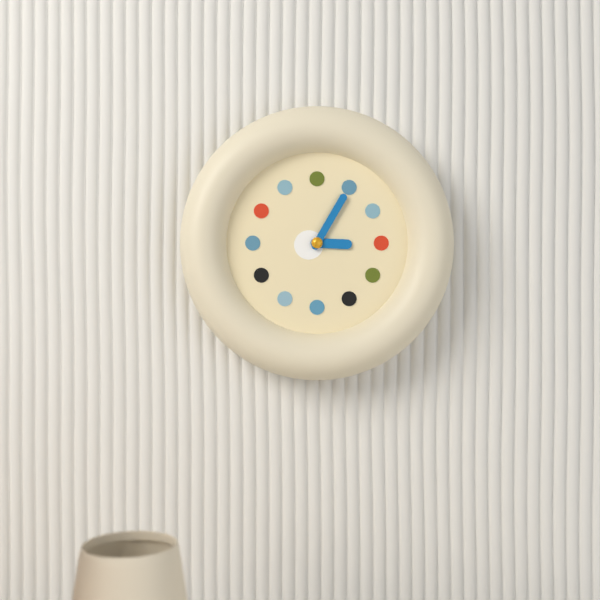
3.05
